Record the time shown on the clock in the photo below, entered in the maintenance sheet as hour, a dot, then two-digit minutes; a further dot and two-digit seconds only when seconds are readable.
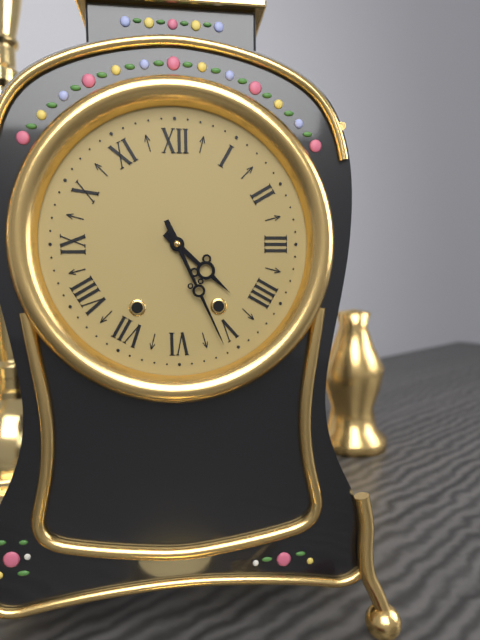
4.26
